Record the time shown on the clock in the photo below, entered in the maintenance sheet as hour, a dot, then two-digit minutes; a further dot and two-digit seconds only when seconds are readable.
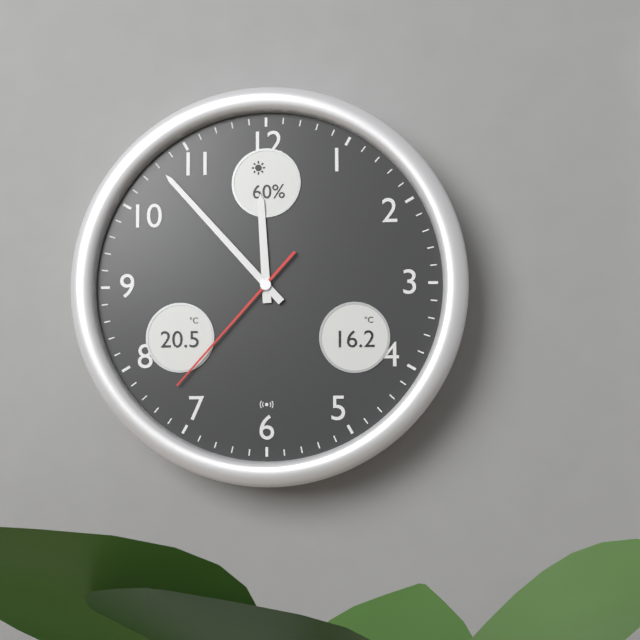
11.53.37
